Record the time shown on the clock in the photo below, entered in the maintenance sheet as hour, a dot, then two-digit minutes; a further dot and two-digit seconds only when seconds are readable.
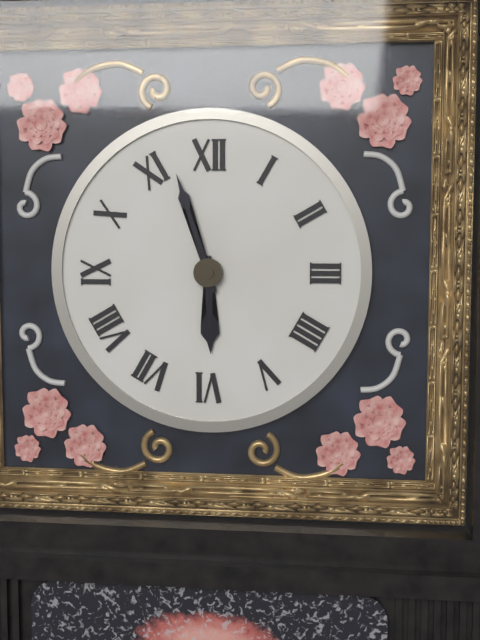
5.57
